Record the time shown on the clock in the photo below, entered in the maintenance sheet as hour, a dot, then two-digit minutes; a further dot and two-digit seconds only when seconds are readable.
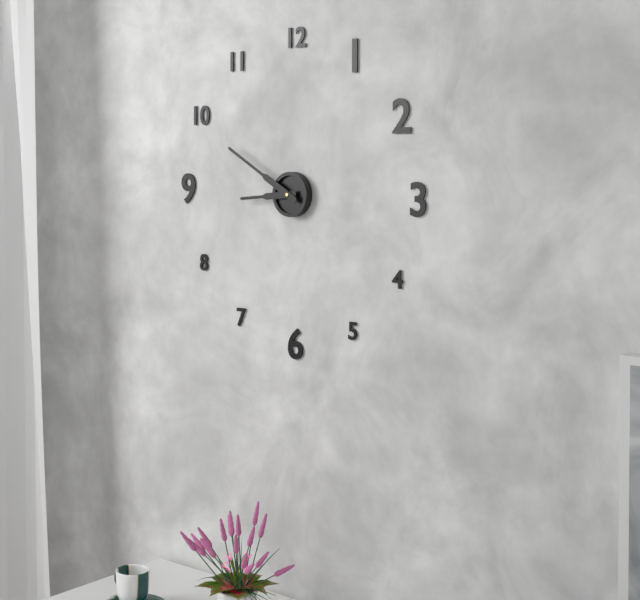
8.50
